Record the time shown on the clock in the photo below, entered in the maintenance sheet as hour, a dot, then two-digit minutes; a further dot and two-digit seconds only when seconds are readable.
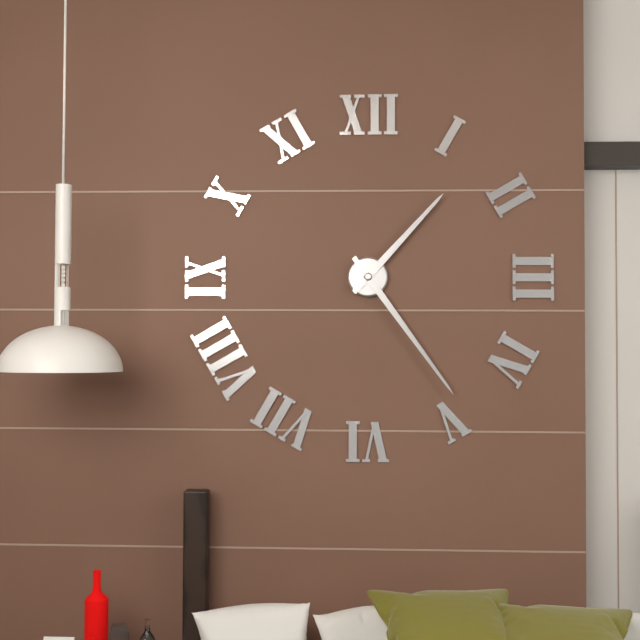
1.24
